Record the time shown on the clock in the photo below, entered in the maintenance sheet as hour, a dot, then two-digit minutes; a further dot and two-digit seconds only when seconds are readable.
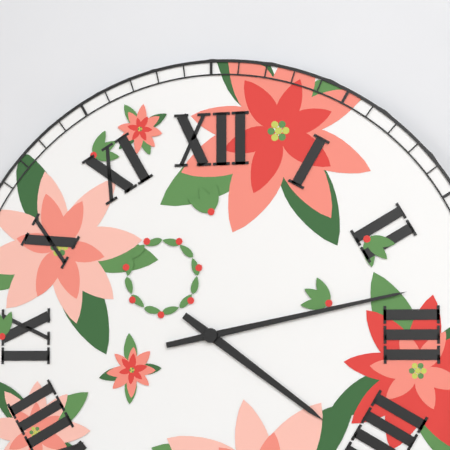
4.13
